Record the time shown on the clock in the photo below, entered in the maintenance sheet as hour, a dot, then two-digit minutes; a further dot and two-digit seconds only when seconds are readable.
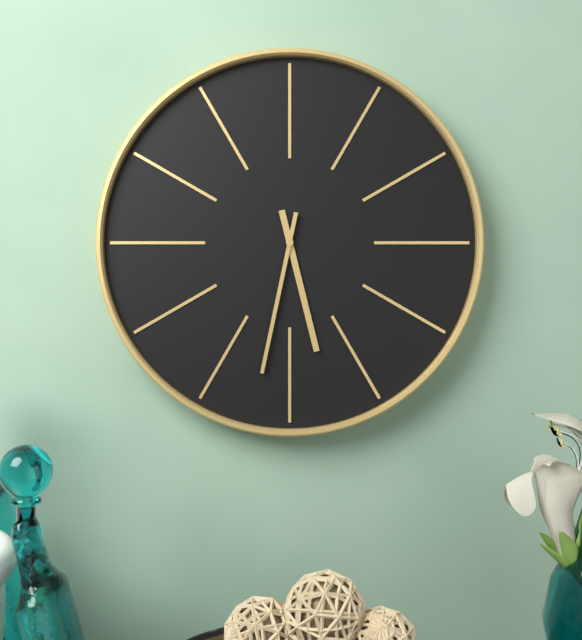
5.32
